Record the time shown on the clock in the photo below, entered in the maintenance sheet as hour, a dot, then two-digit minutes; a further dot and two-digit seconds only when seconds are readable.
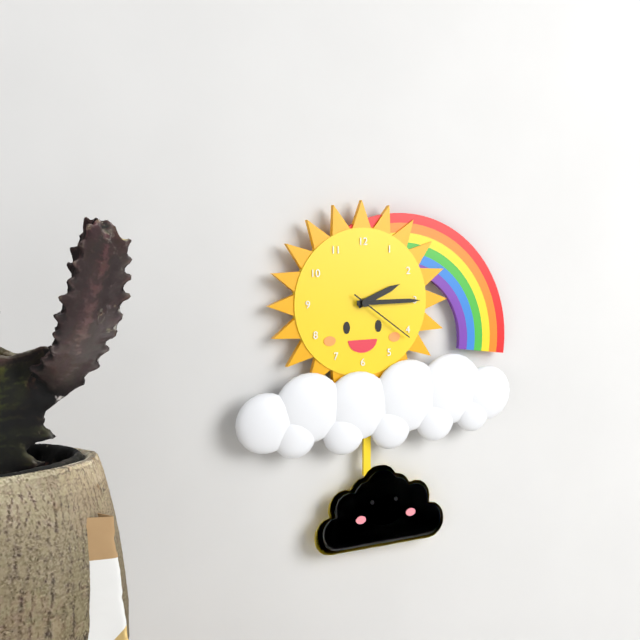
2.15.21
